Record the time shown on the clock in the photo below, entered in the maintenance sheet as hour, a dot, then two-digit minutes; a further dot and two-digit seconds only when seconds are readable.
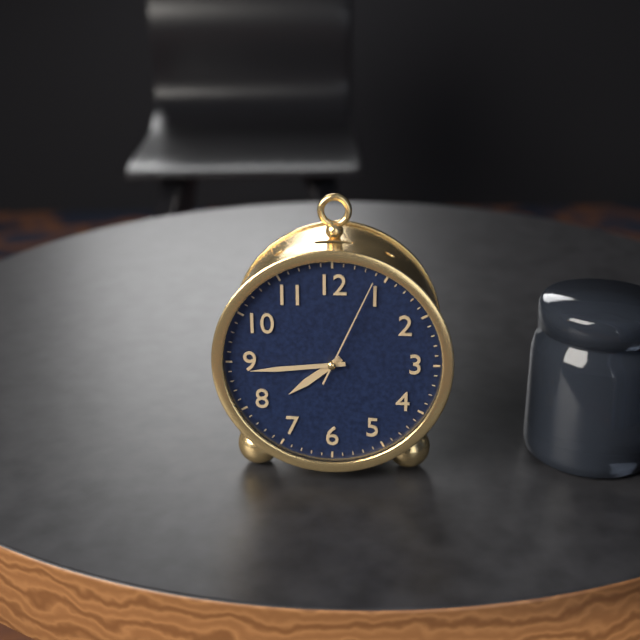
7.44.04
